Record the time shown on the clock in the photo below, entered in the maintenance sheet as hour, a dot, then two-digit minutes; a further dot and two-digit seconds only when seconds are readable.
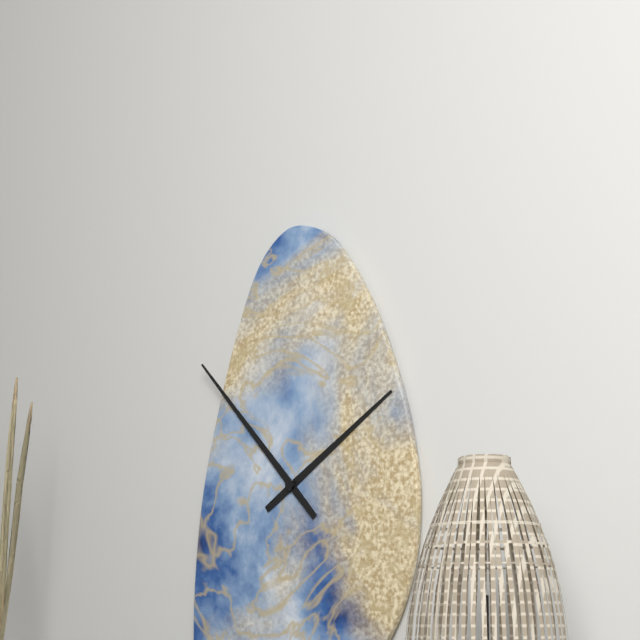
1.53
